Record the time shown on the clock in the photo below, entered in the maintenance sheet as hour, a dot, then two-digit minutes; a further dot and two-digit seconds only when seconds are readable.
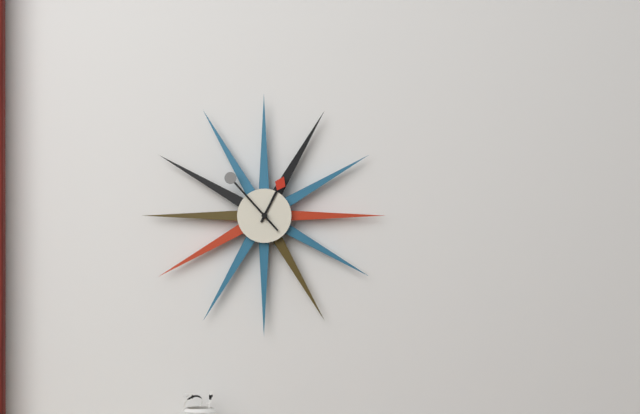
12.53
